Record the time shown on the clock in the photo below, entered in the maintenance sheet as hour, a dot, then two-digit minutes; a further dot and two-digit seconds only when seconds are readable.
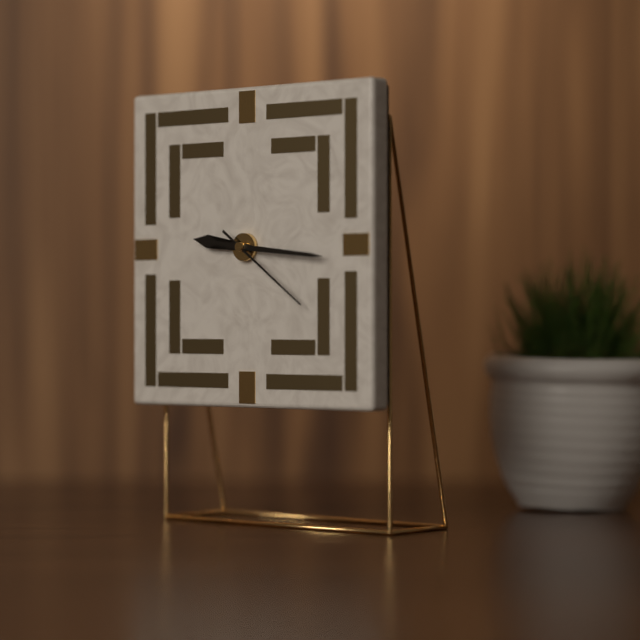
9.16.21
